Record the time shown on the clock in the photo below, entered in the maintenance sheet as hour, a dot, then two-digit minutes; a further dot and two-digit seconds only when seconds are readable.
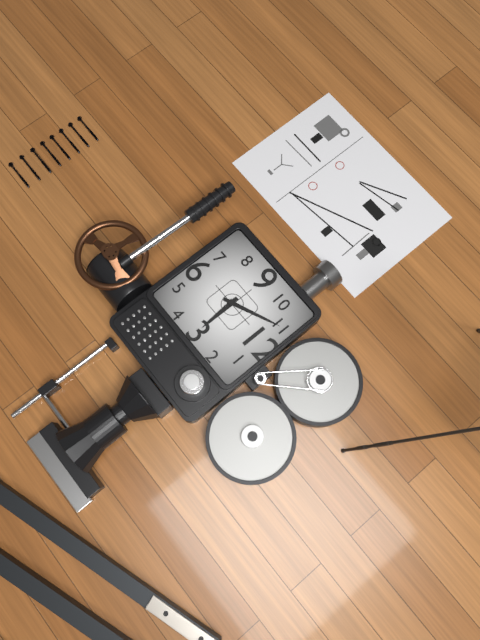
2.56
